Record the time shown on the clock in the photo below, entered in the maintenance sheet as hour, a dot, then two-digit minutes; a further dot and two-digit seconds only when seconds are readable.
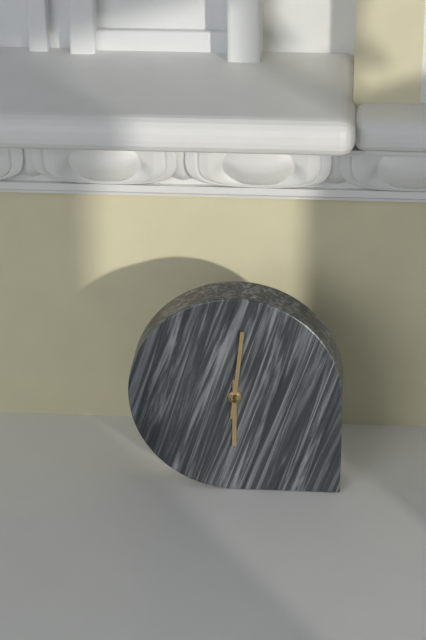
6.01
